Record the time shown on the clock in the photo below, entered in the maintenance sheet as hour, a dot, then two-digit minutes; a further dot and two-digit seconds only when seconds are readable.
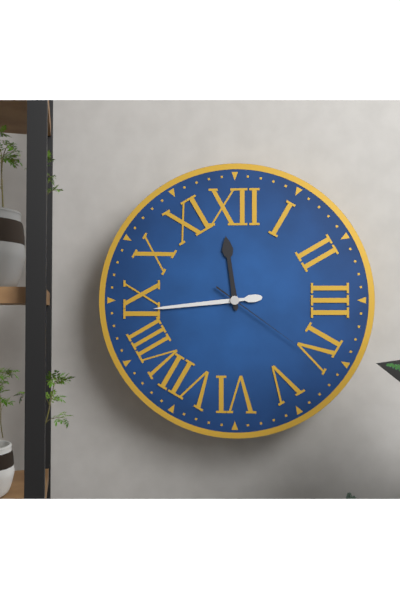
11.44.21
